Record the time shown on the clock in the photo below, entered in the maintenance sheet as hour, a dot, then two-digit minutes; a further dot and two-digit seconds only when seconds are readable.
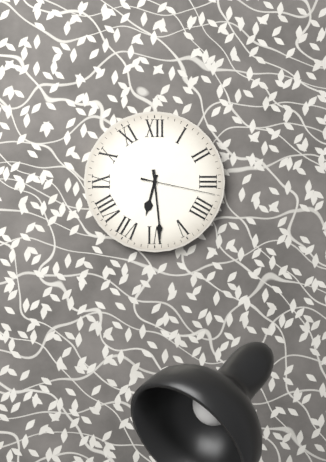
6.29.17
